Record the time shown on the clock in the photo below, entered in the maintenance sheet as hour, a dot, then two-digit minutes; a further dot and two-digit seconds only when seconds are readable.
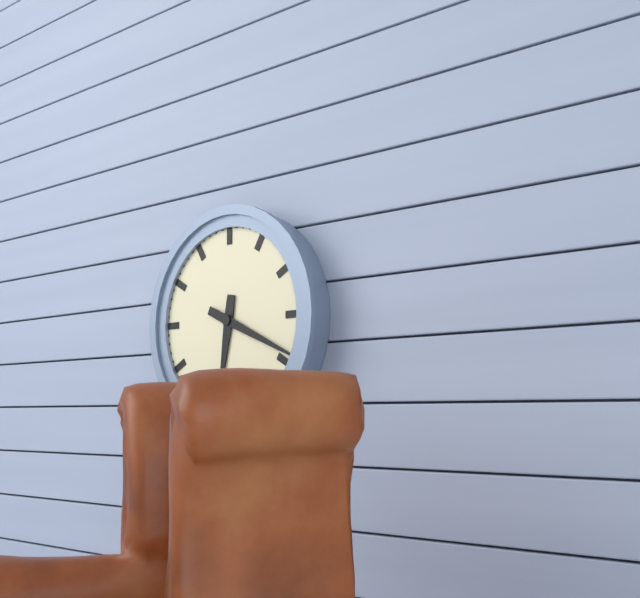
6.19
